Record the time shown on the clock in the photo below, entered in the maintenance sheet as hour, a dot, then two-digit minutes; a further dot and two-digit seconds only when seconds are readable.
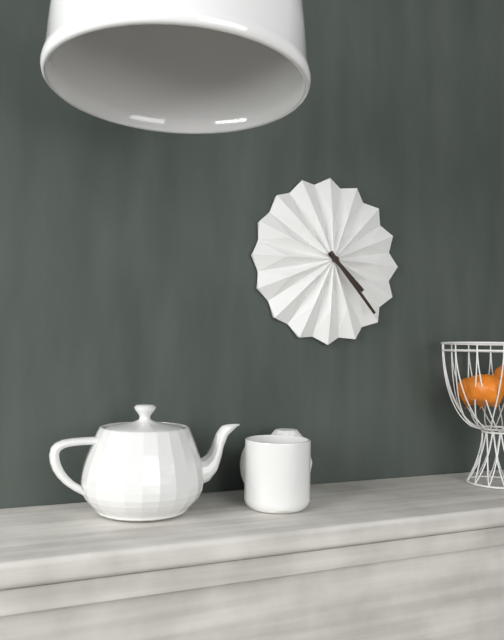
4.23
